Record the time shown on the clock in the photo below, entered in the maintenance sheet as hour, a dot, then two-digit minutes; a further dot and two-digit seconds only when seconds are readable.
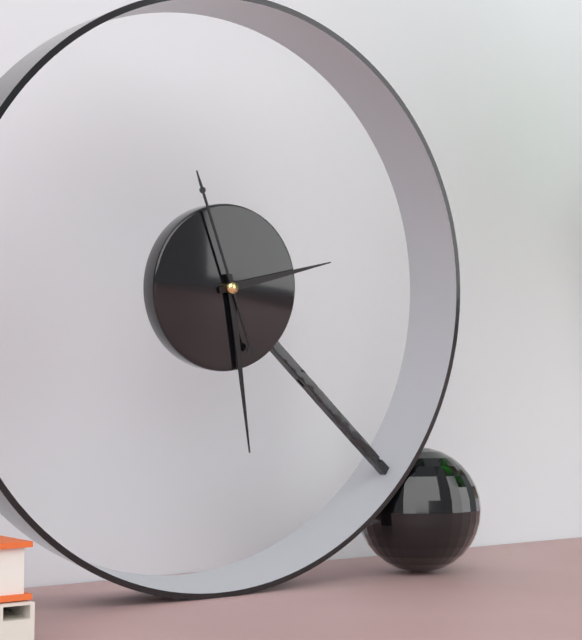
2.28.56
